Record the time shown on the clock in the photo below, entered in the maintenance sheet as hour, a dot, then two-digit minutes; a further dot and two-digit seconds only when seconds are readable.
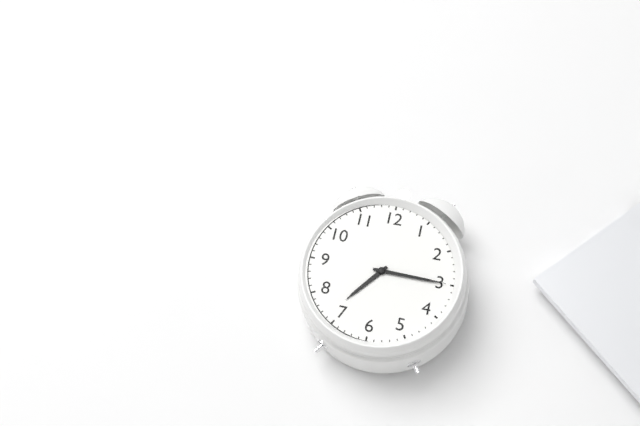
7.15
